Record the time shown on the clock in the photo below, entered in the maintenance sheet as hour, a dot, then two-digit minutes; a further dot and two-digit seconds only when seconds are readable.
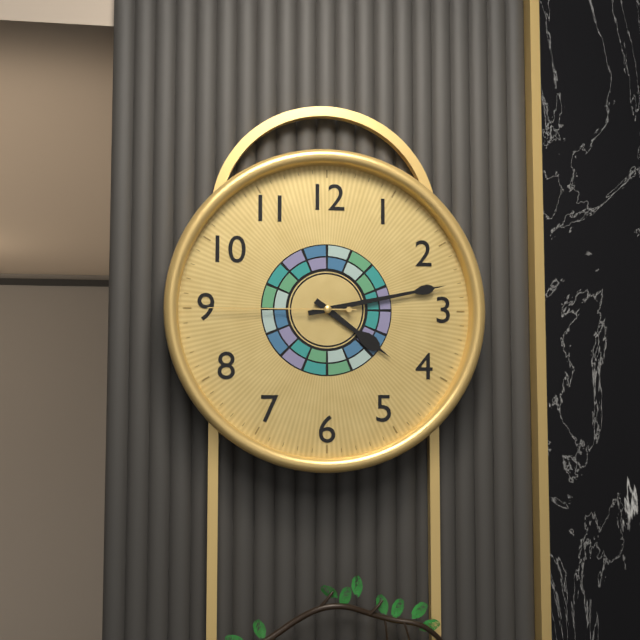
4.13.45
